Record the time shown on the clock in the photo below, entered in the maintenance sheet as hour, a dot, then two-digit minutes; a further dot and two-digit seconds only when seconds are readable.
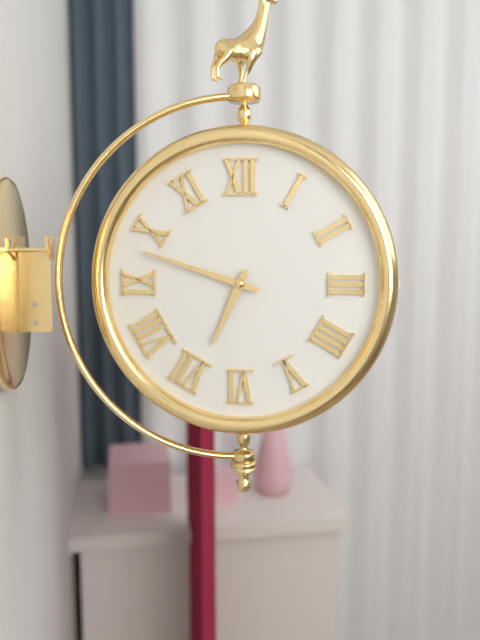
6.48
